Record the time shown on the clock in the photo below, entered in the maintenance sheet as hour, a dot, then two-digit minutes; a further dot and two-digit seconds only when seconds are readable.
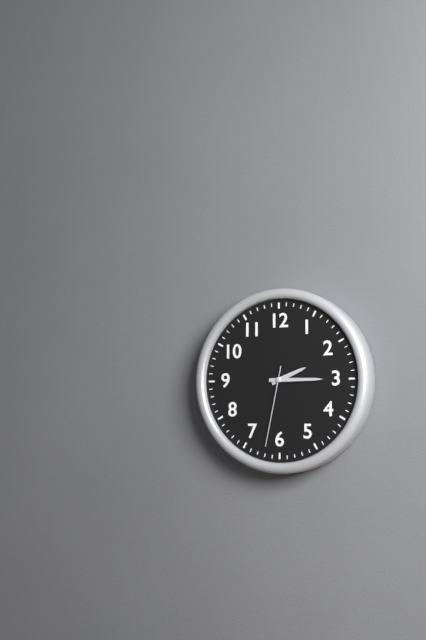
2.15.32
